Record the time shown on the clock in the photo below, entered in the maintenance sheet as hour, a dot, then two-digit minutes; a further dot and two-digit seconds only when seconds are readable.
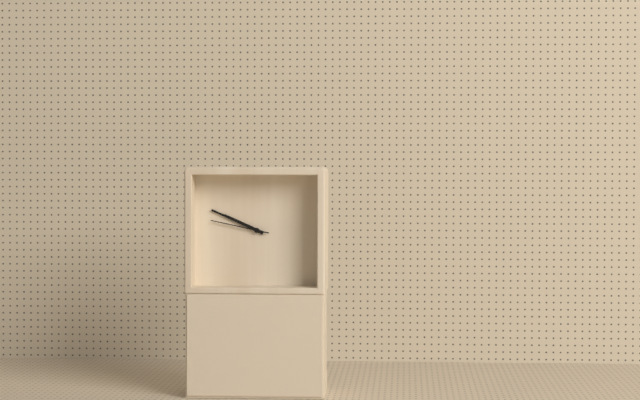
9.49.47
